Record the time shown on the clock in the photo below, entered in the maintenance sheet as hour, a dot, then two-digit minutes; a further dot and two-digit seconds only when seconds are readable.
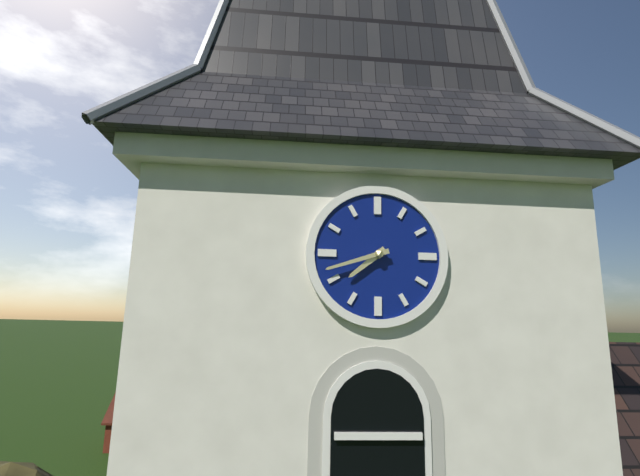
7.42
